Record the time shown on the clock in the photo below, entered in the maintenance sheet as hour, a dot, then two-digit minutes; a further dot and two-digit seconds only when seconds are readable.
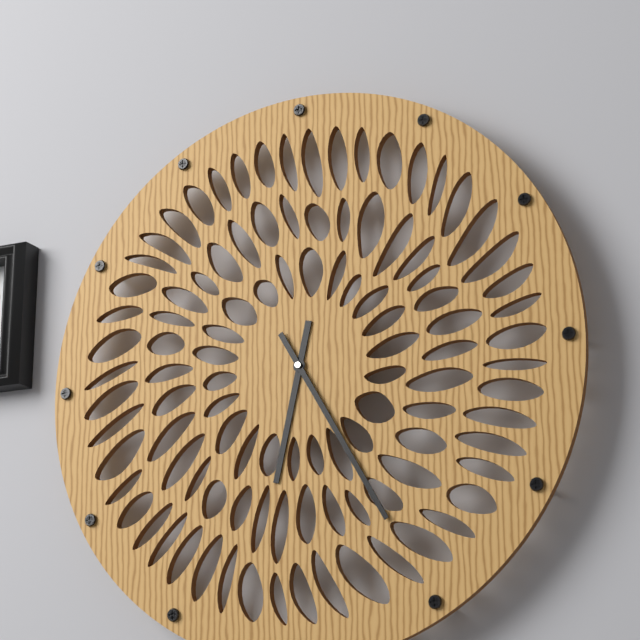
6.25
